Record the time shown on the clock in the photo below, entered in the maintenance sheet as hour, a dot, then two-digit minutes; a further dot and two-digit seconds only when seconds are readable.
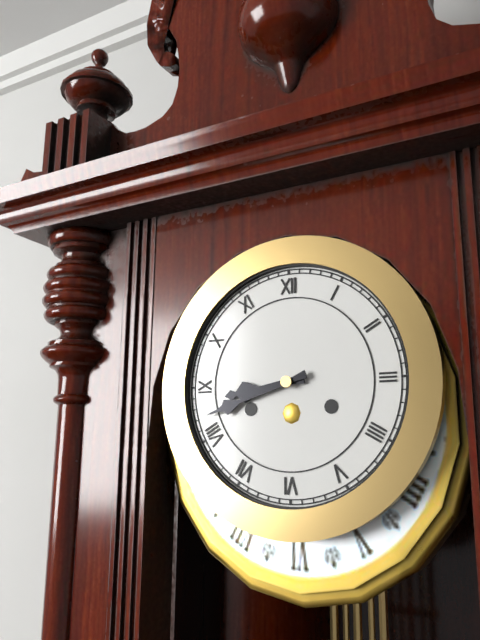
8.42
